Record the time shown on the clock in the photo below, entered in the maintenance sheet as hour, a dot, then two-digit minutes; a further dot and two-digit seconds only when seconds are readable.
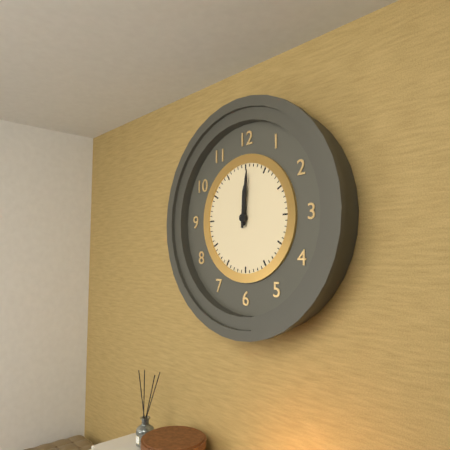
12.01
